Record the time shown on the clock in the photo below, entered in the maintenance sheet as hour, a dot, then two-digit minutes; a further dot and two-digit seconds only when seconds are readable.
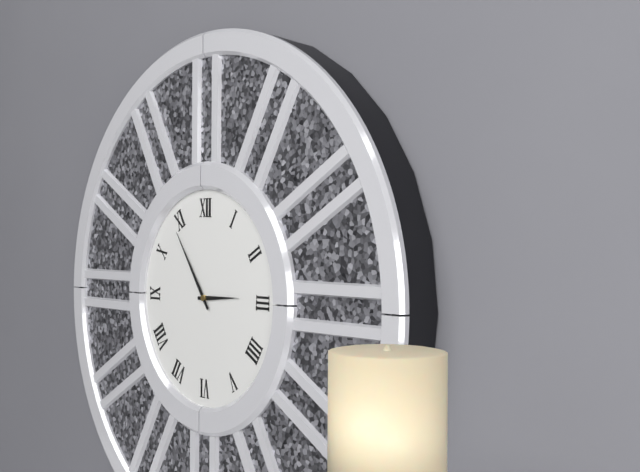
2.54
